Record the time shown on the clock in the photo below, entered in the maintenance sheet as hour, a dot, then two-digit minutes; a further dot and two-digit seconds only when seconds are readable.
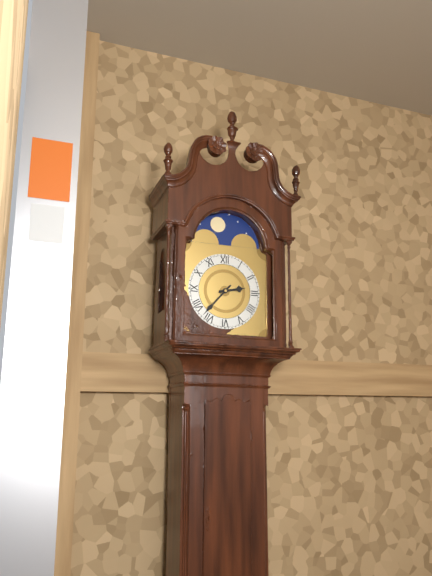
2.37
